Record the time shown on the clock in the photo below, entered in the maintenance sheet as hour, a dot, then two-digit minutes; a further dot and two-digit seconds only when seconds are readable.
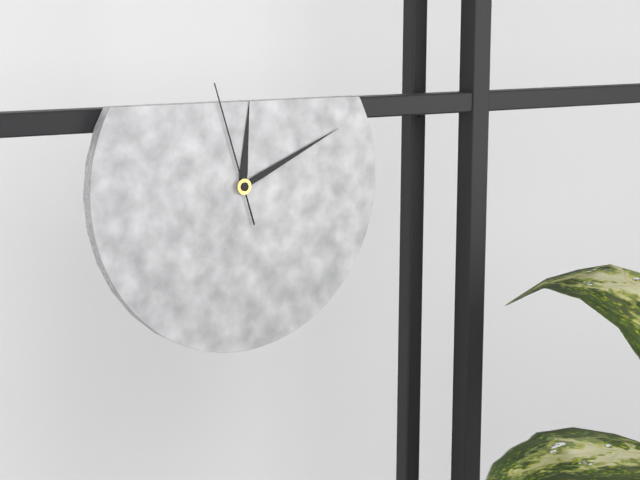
12.11.57
